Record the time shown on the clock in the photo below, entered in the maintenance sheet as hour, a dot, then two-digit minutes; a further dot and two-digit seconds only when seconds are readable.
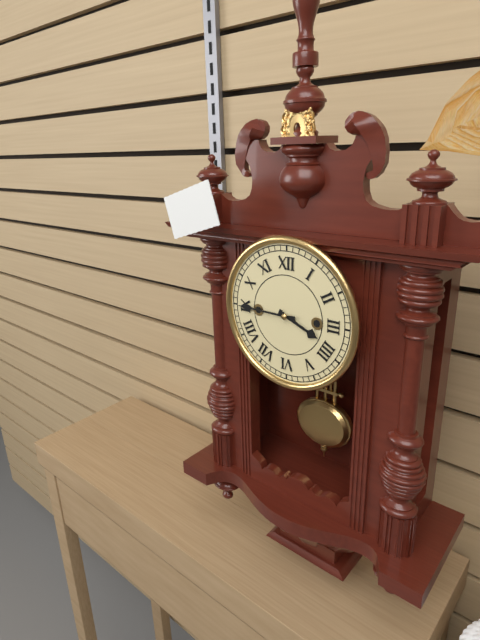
3.45
